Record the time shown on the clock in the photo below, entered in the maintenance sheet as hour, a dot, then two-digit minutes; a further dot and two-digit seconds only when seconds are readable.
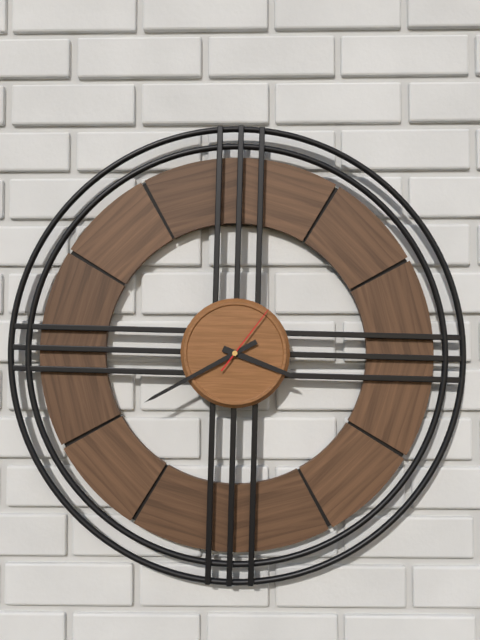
3.40.06
